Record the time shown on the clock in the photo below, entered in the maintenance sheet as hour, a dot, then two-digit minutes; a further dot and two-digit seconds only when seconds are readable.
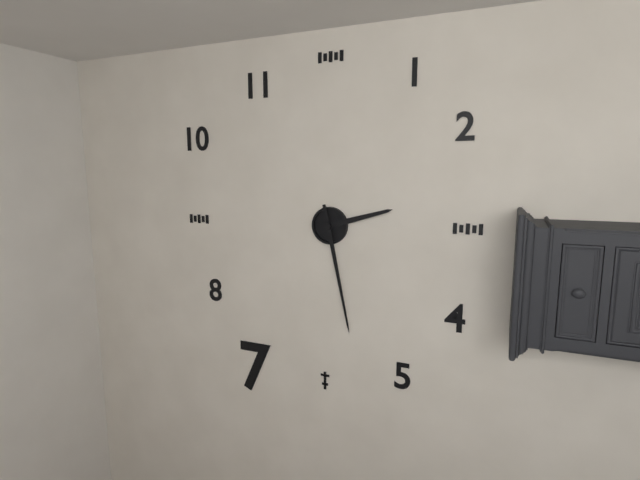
2.28
